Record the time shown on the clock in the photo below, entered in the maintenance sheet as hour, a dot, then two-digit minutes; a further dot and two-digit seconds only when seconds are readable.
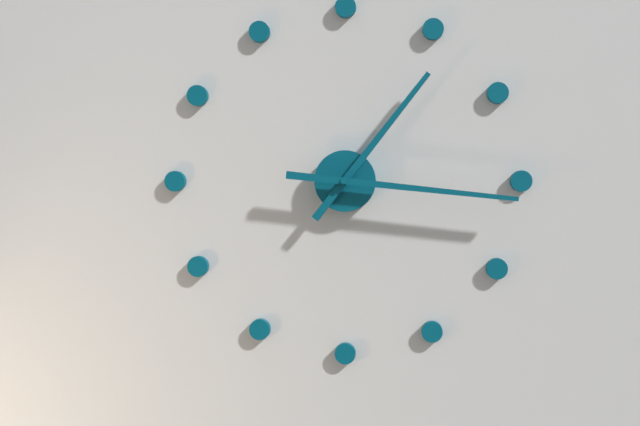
1.16
